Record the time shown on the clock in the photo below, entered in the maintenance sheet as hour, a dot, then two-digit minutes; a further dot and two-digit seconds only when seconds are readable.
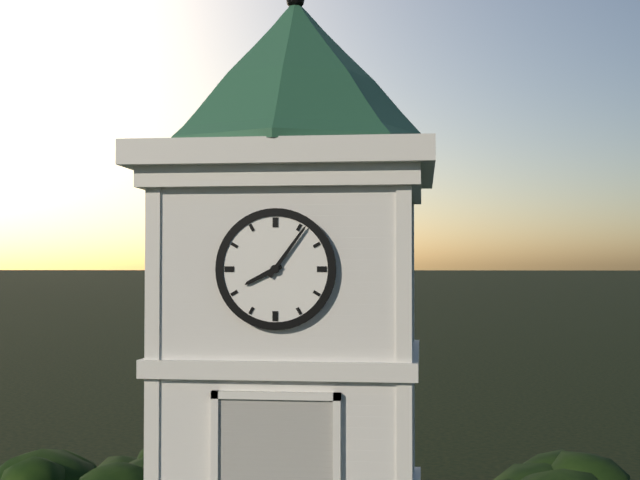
8.06
